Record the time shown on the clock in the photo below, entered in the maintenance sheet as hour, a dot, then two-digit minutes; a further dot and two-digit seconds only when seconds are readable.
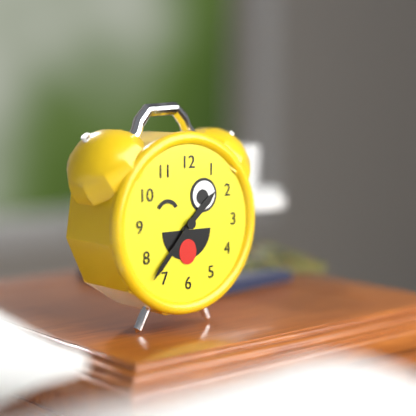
1.37
